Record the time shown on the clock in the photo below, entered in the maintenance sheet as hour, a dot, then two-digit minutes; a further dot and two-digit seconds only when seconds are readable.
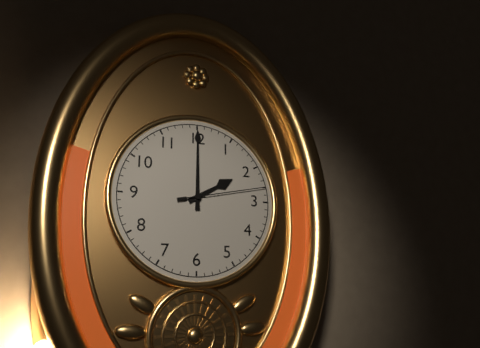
2.00.13
